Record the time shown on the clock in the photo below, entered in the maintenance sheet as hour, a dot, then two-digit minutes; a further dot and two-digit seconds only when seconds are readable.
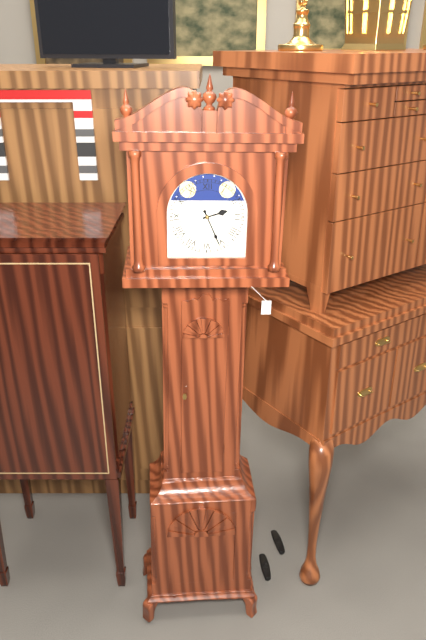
2.26
